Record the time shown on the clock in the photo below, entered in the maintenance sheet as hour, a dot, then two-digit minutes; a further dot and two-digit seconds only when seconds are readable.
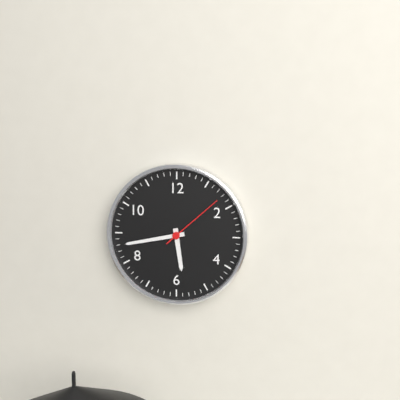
5.43.08
